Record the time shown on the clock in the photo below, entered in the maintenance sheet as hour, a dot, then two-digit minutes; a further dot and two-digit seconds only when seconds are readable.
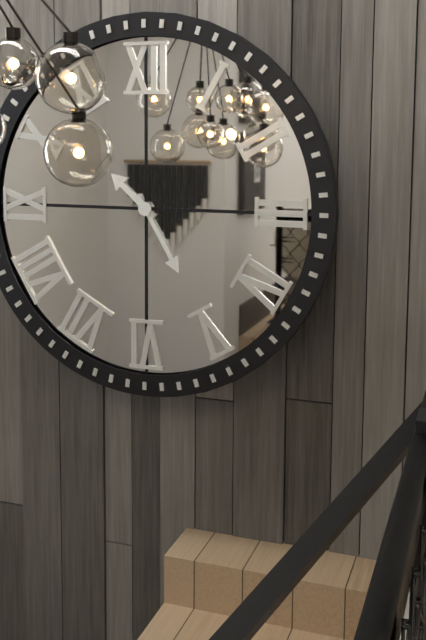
10.25
